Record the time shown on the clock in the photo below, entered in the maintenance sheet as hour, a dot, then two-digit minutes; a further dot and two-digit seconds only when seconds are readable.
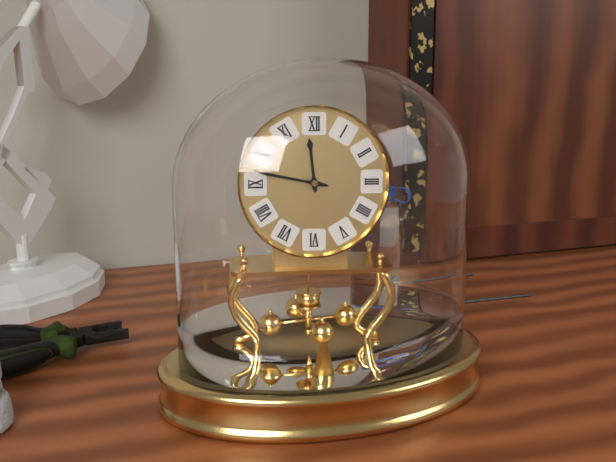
11.47
